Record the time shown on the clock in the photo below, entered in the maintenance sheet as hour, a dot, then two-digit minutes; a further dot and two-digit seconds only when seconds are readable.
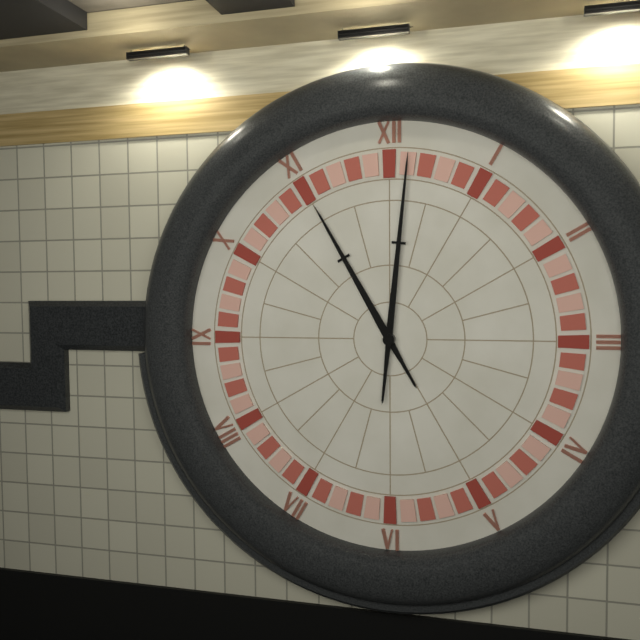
11.01
